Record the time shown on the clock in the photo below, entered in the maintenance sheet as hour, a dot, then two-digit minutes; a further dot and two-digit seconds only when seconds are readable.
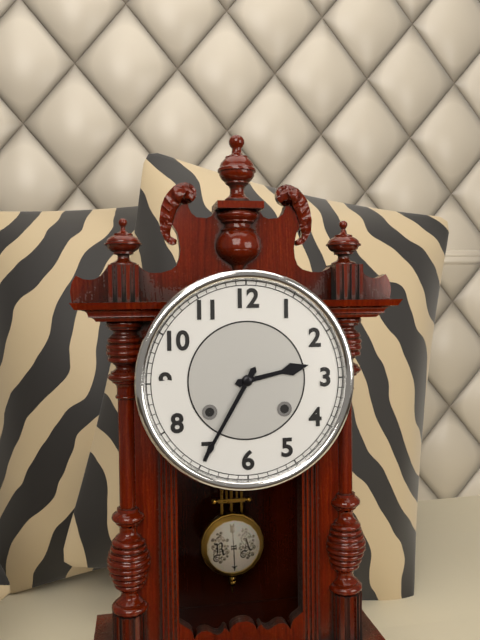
2.35
